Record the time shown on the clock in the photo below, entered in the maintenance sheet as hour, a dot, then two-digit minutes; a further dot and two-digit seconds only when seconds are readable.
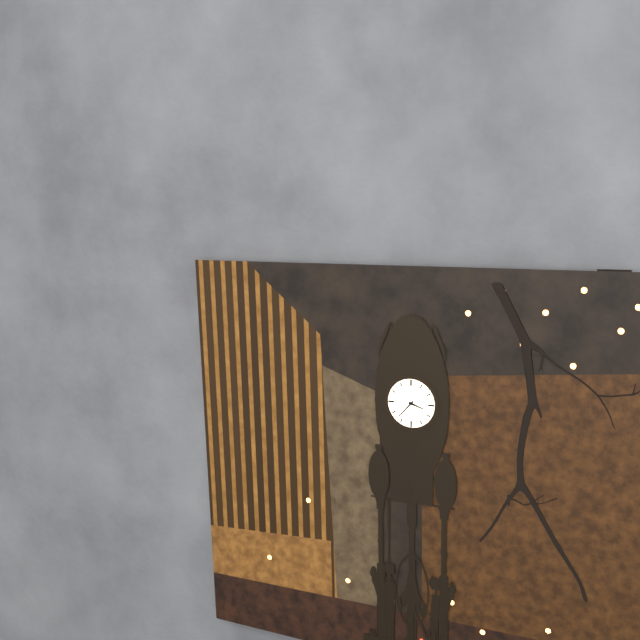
3.37
